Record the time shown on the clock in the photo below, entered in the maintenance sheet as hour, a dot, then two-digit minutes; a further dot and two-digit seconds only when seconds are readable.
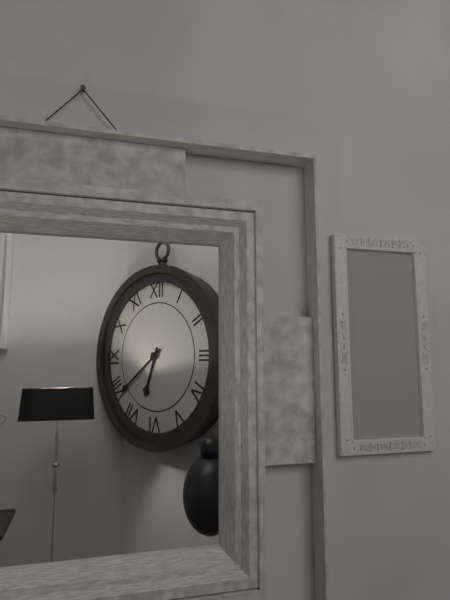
6.39
